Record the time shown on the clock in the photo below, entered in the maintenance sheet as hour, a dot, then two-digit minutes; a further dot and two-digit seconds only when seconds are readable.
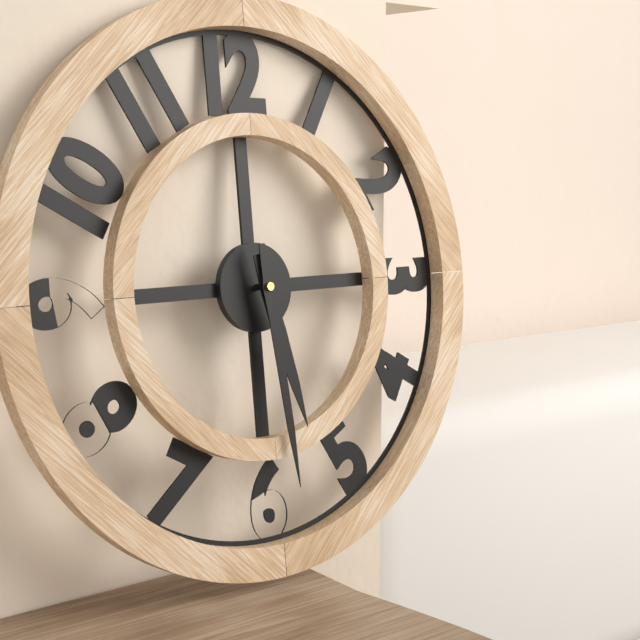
5.29
